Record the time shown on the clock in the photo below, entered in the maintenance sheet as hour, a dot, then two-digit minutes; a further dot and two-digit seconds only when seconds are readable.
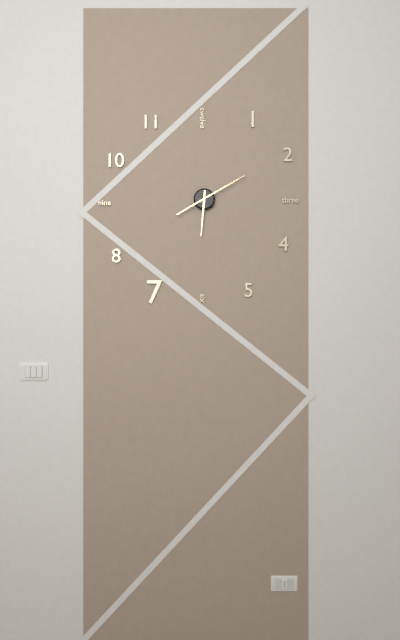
6.10
